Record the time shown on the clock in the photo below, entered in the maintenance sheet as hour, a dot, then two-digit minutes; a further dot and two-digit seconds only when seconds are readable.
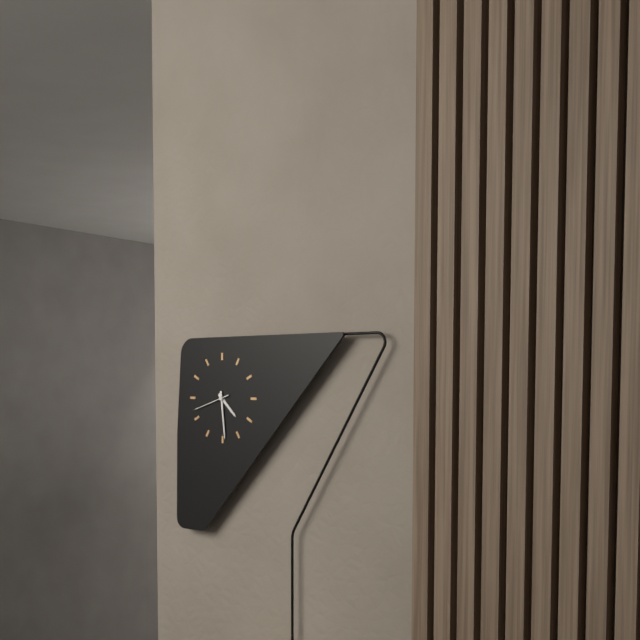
4.29.42
